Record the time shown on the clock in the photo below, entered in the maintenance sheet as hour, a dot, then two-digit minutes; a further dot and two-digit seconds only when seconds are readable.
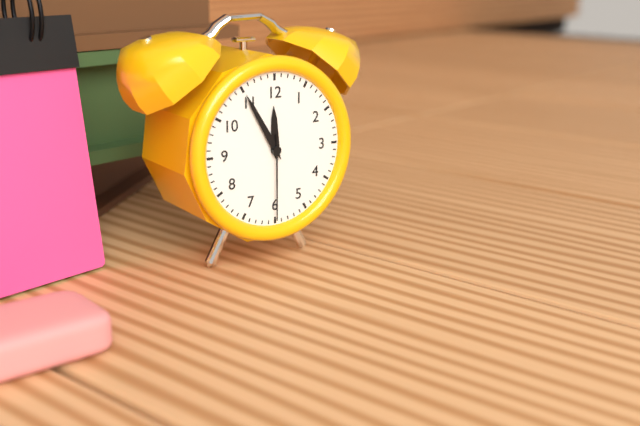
11.55.30
